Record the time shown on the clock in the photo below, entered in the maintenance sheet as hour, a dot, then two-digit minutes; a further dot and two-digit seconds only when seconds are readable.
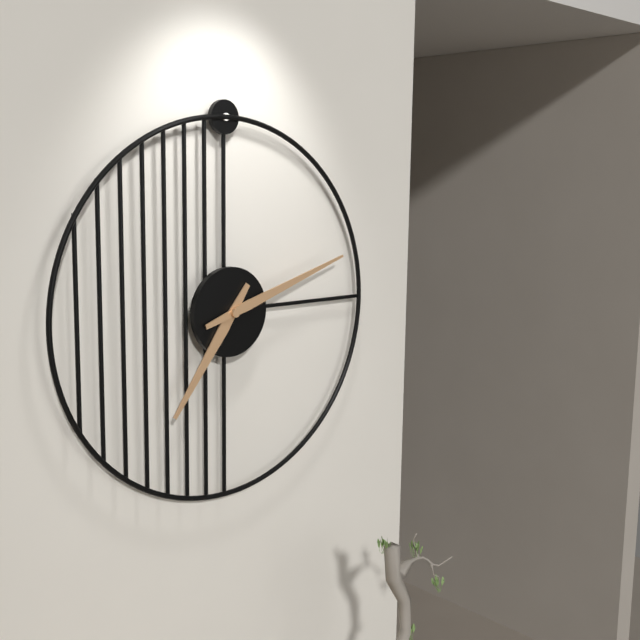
7.12
